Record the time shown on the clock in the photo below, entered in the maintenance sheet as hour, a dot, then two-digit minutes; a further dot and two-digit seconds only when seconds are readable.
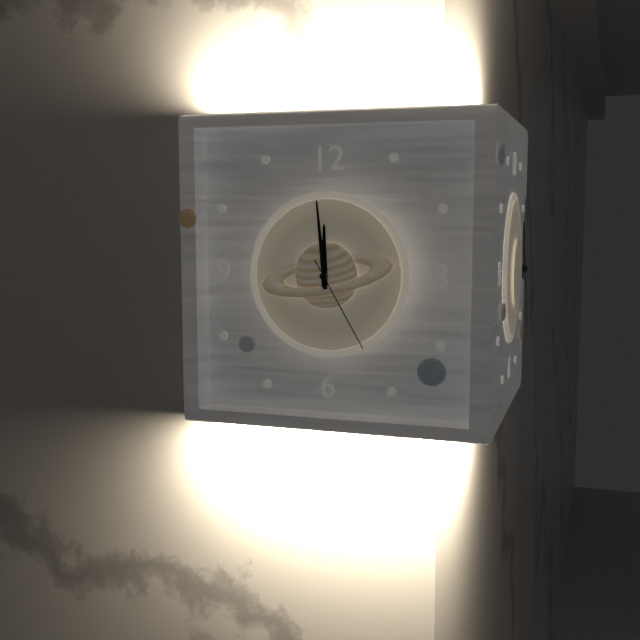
11.59.25
